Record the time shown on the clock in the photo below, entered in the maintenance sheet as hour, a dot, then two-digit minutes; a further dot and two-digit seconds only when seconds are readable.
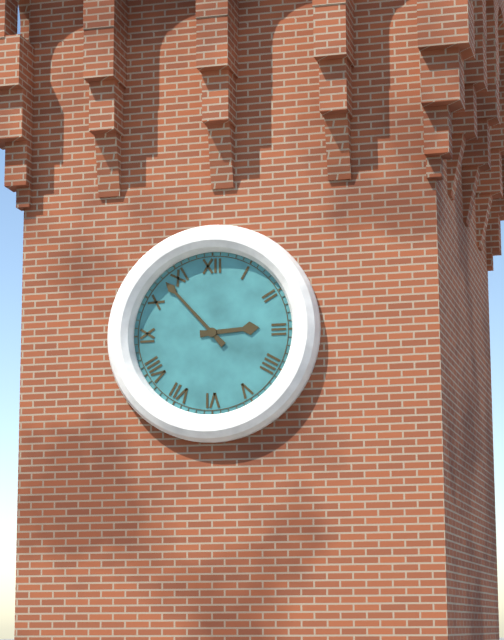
2.53
